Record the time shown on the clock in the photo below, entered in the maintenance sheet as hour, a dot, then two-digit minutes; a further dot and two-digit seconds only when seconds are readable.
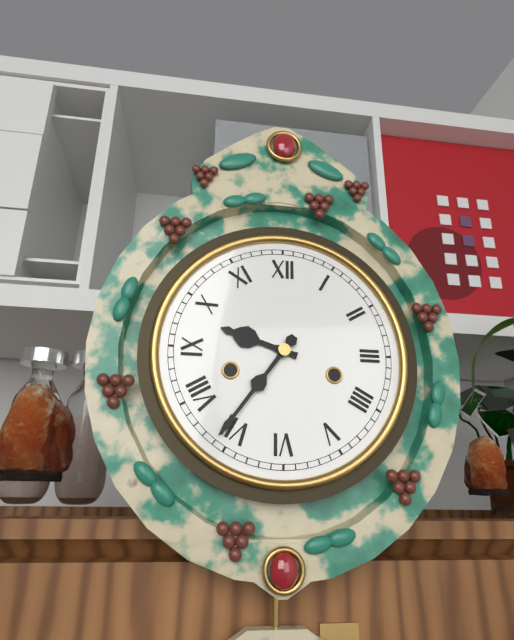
9.36
